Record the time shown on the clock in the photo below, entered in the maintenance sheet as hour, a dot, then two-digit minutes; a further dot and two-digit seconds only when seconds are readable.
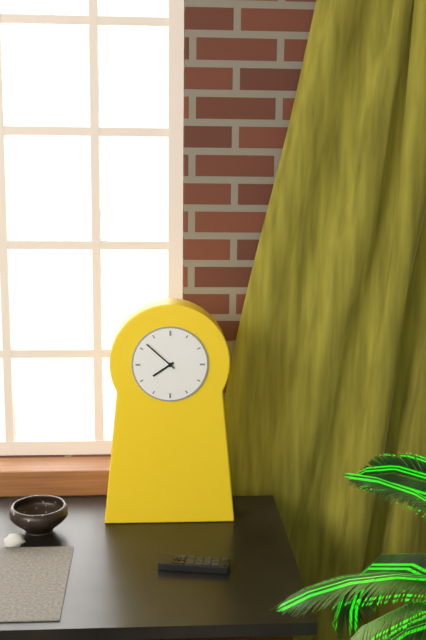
7.52
